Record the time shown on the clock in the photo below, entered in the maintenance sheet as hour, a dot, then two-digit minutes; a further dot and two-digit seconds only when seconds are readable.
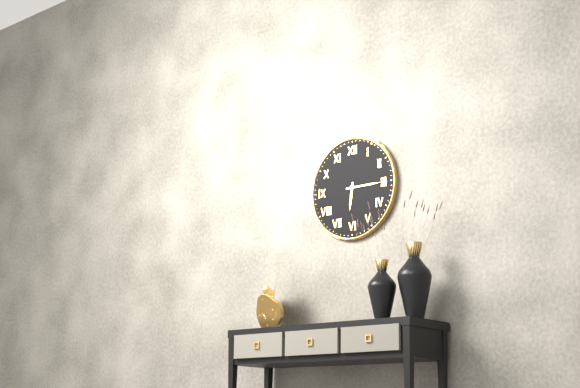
6.15
